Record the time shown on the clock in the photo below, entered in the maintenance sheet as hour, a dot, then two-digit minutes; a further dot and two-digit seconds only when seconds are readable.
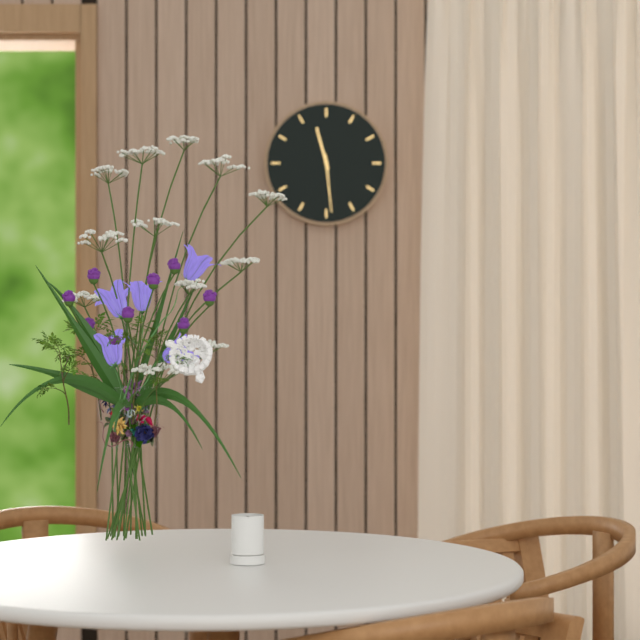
11.29
